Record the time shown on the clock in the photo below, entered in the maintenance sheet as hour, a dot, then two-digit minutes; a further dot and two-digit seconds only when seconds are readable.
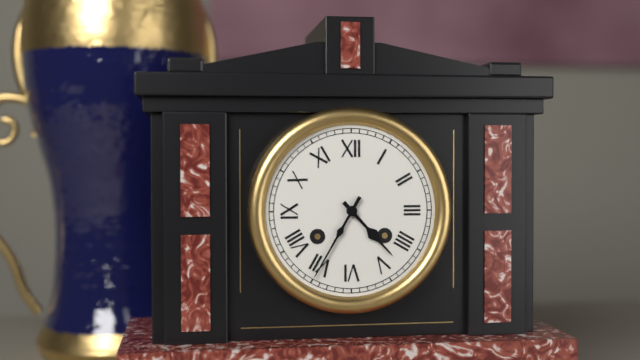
4.35
